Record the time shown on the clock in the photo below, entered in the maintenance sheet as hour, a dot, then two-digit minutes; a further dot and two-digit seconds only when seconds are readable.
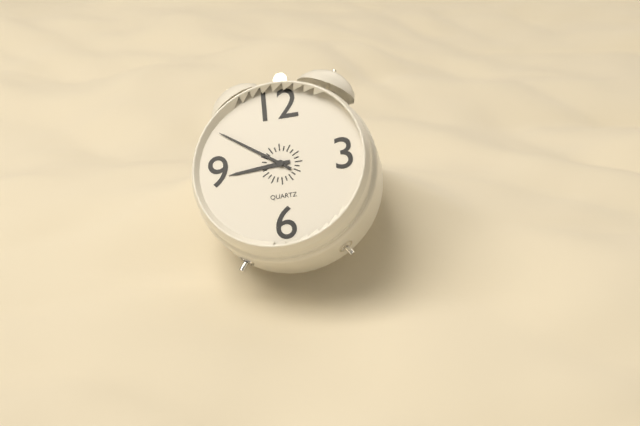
8.51
